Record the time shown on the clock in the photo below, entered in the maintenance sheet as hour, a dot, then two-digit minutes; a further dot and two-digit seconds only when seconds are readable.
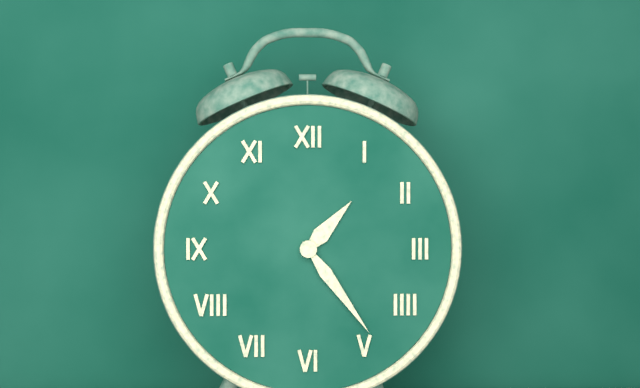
1.24
